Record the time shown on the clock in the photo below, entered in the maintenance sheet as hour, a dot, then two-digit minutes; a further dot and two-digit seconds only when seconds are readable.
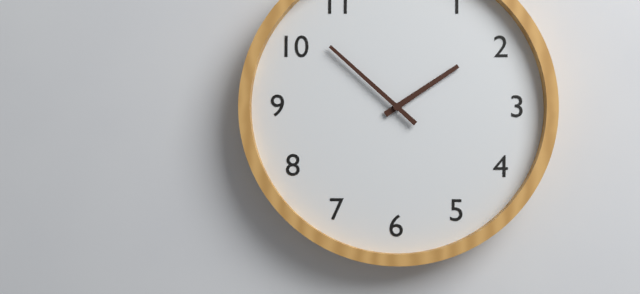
1.52
